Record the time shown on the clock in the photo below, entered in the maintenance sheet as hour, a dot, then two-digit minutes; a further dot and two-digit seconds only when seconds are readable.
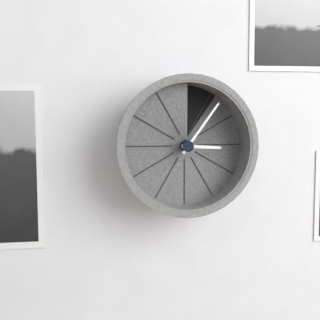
3.06
